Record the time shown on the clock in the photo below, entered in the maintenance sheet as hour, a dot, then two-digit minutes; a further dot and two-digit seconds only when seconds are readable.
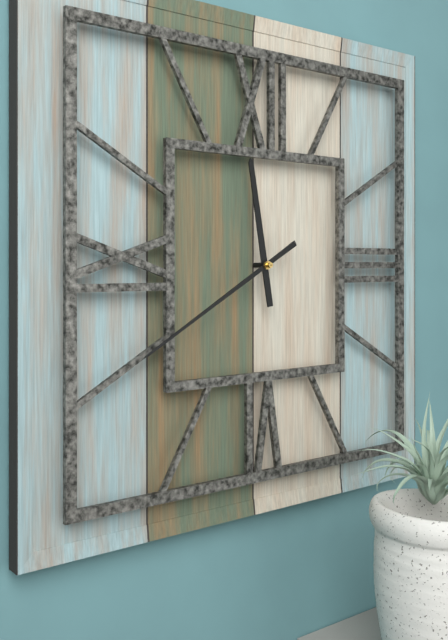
11.40
